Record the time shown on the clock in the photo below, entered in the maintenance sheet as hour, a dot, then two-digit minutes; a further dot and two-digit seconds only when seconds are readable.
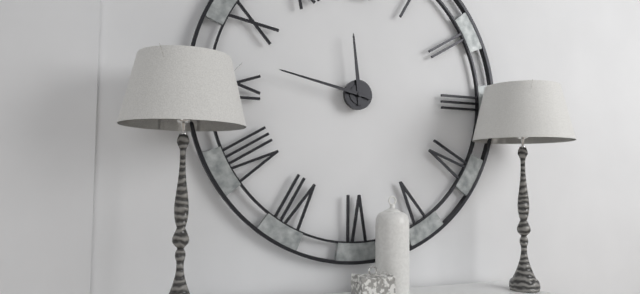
11.47
